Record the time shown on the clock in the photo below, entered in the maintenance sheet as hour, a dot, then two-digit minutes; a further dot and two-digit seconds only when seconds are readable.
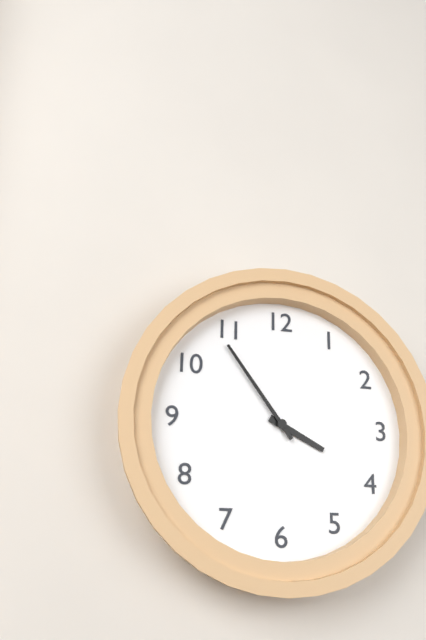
3.54
